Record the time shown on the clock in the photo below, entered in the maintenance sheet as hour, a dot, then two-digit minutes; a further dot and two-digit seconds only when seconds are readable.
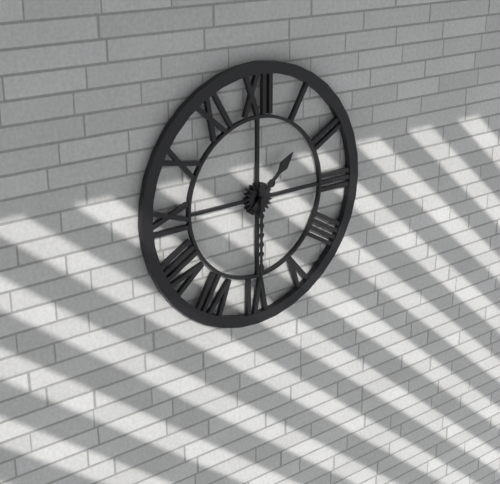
1.30
